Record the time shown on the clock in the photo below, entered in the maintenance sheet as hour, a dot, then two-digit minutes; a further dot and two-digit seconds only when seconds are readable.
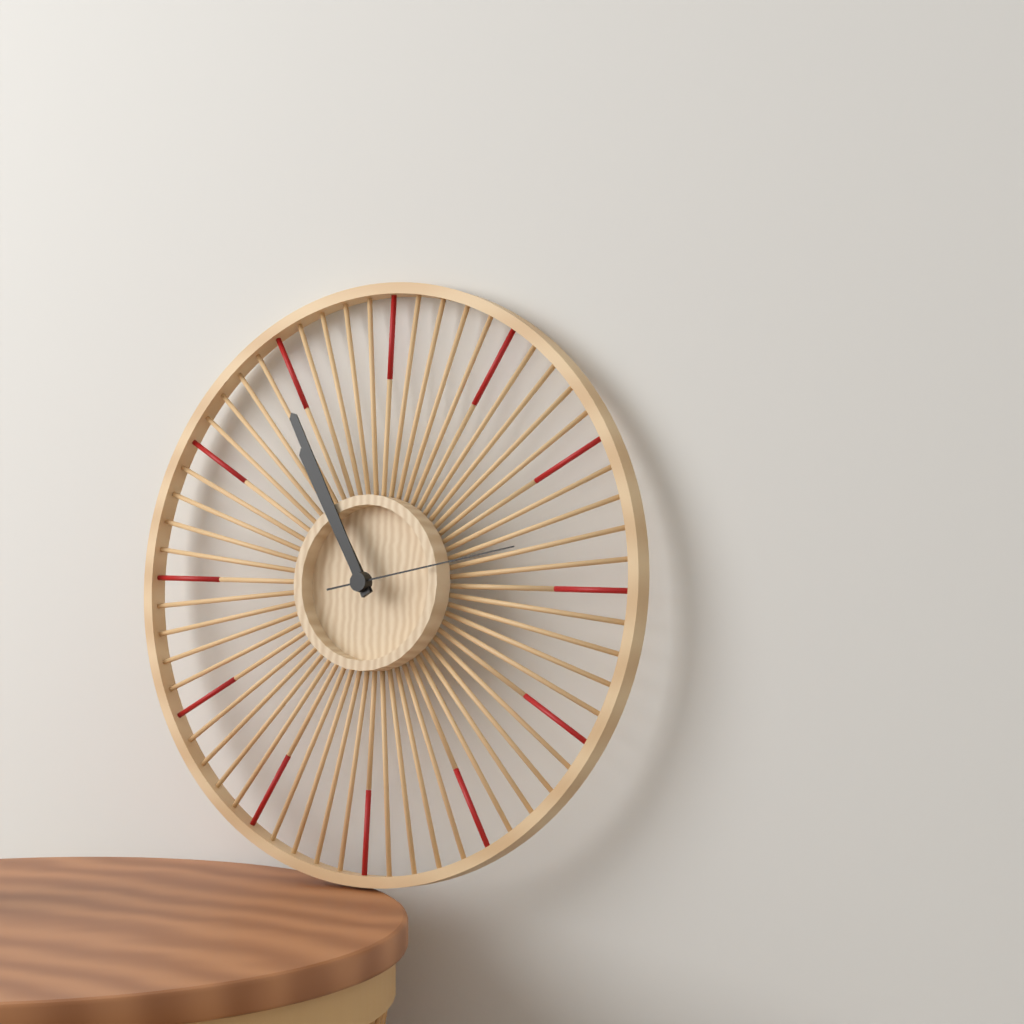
10.55.13
